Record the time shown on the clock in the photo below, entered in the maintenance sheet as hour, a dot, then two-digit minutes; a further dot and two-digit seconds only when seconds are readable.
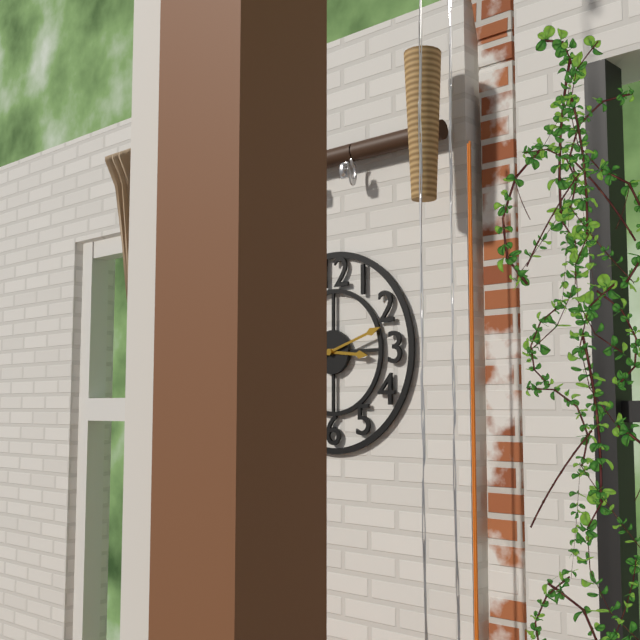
3.12
